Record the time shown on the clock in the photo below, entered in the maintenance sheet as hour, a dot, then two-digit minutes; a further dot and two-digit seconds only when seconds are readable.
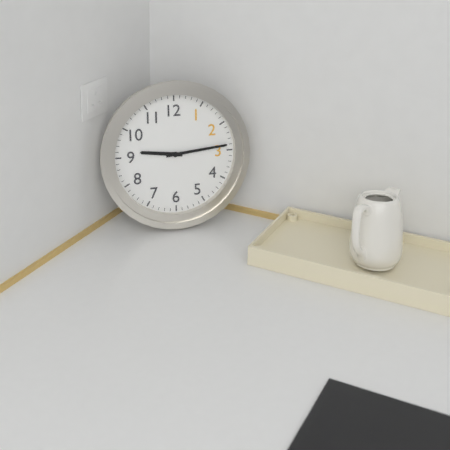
9.14
